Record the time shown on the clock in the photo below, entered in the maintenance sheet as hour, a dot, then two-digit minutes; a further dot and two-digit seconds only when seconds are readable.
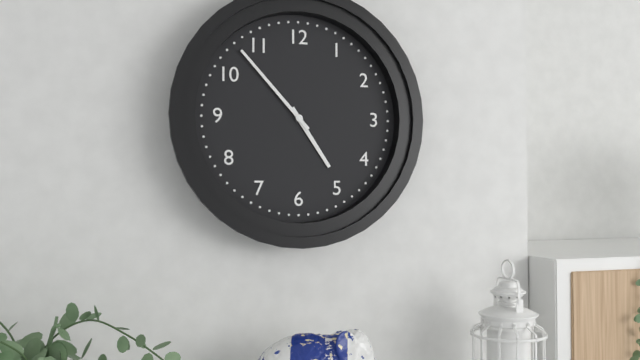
4.53
